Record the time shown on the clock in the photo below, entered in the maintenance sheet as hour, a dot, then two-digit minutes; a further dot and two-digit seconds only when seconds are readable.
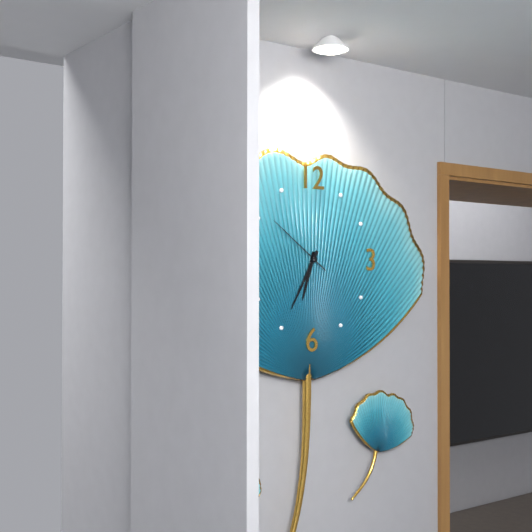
6.35.51
